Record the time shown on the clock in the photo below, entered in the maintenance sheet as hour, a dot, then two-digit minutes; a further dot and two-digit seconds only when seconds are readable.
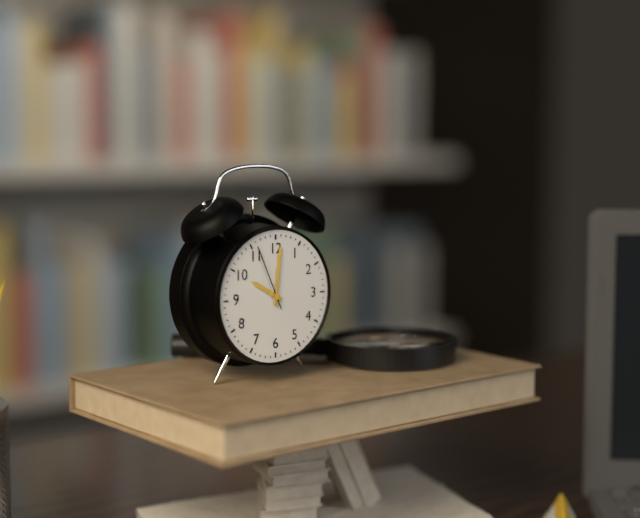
10.01.56
